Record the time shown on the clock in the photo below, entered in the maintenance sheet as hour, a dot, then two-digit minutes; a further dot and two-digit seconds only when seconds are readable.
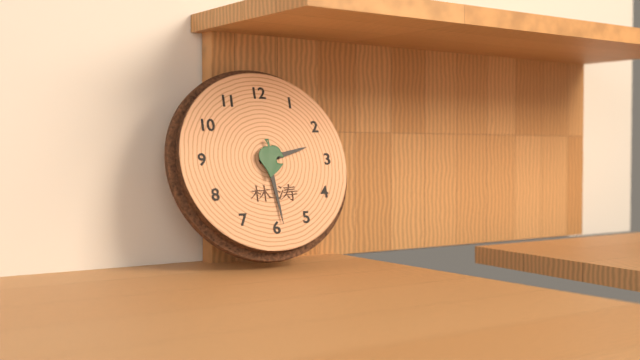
2.29
